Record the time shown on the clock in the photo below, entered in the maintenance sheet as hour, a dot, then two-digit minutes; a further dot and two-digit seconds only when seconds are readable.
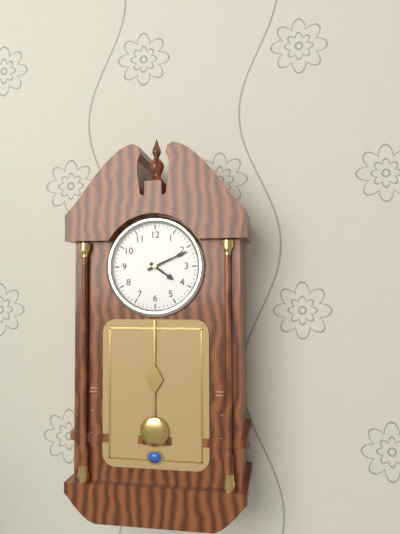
4.11
